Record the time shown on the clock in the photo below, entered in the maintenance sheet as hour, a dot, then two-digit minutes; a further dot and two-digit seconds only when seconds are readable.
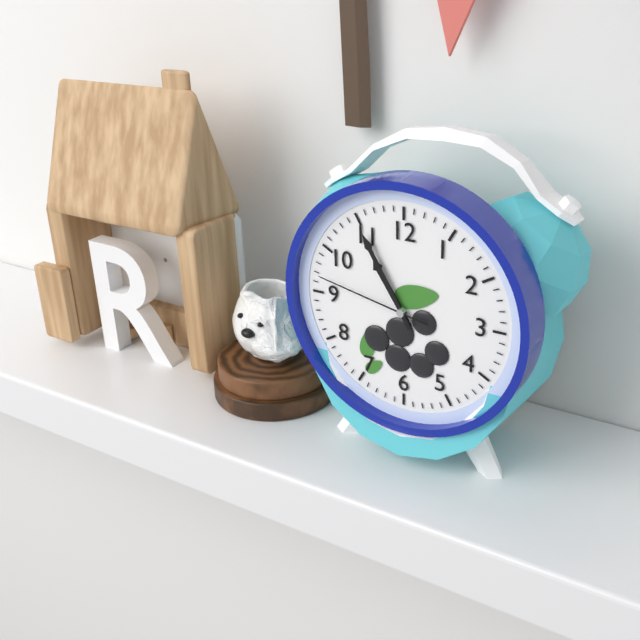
10.55.47
